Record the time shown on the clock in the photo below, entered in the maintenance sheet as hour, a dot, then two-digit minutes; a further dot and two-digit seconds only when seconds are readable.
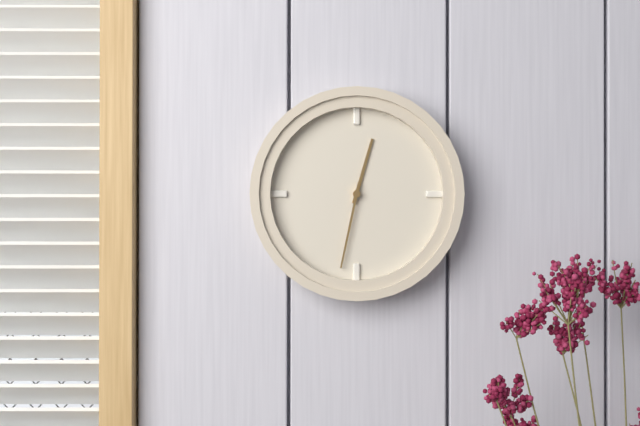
12.32
